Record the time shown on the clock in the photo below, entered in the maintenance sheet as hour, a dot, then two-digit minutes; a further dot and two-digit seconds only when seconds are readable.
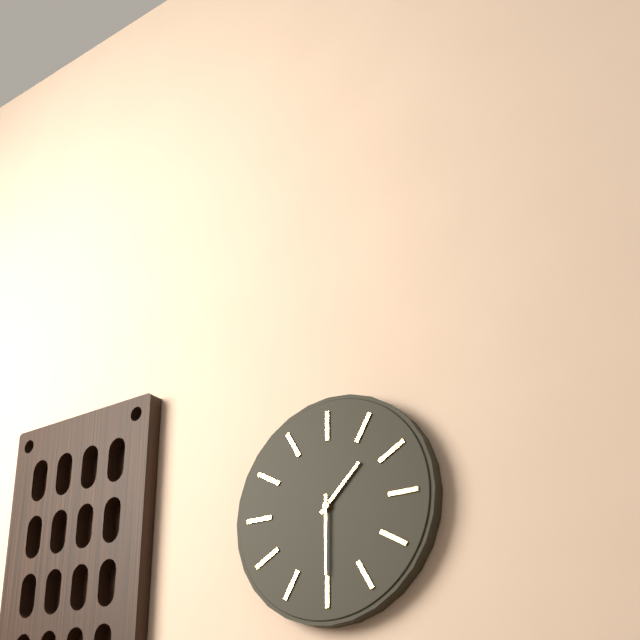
1.30
